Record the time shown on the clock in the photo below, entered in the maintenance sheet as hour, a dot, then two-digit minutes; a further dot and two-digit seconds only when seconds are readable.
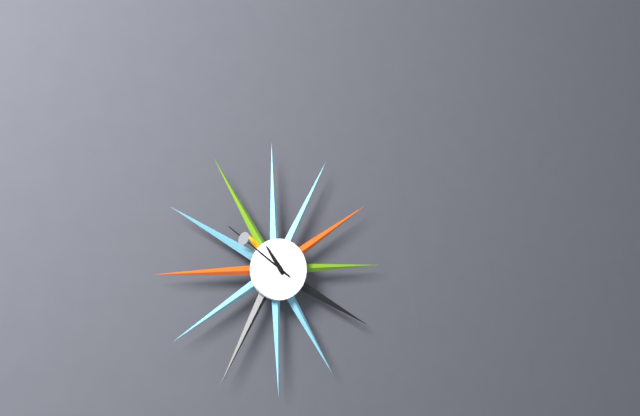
10.51
